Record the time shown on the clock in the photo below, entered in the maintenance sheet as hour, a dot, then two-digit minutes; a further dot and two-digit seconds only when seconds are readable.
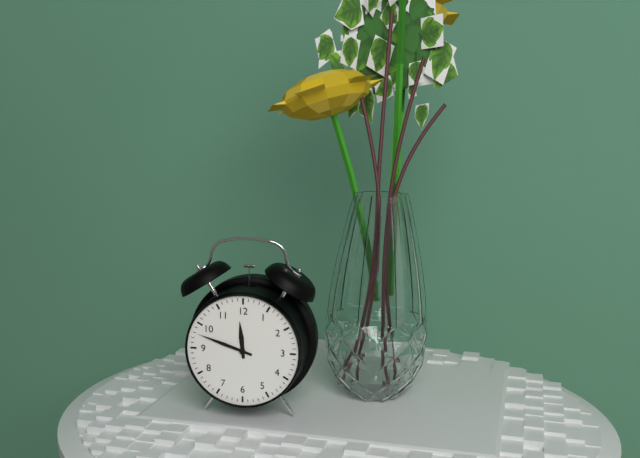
11.48
